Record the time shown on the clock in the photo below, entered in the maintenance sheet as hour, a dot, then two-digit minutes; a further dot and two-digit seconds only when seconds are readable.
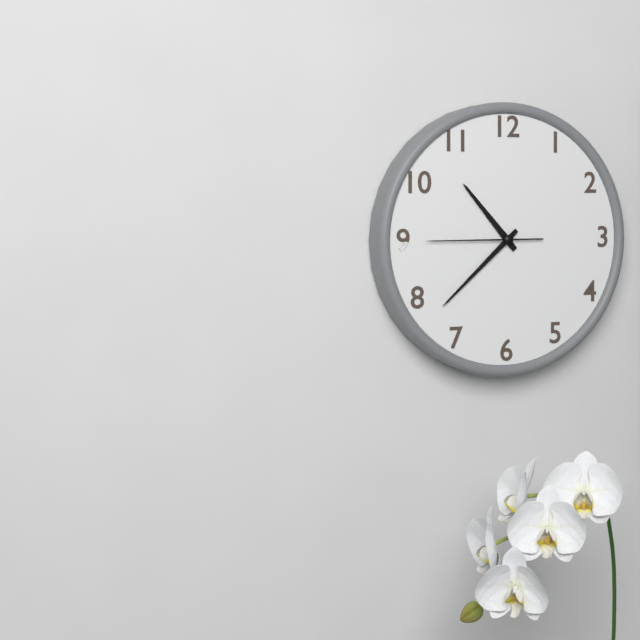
10.38.45
